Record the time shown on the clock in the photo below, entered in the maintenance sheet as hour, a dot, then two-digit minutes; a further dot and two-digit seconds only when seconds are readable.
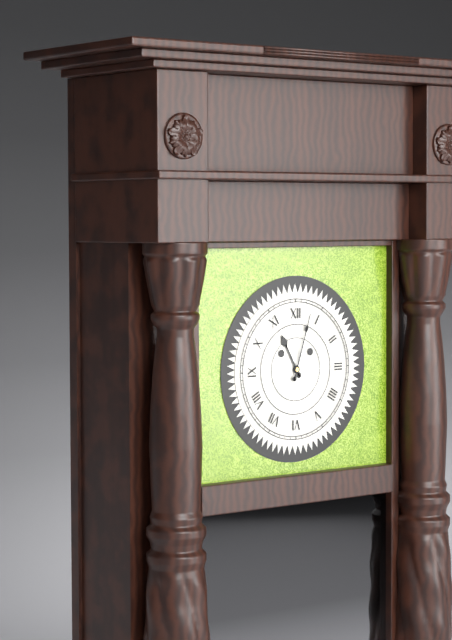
11.03
